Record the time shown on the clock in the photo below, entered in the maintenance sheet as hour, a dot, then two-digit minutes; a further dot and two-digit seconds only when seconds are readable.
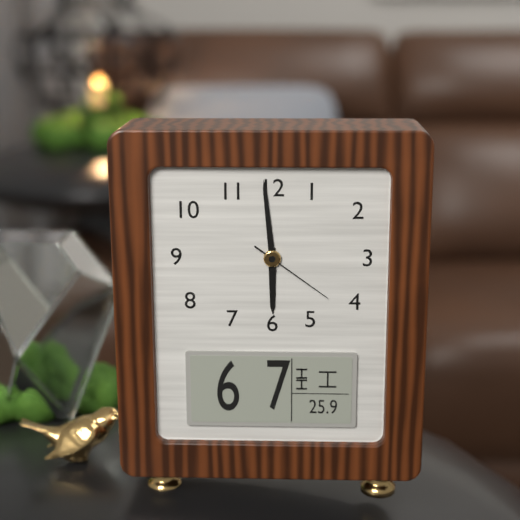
5.59.21
